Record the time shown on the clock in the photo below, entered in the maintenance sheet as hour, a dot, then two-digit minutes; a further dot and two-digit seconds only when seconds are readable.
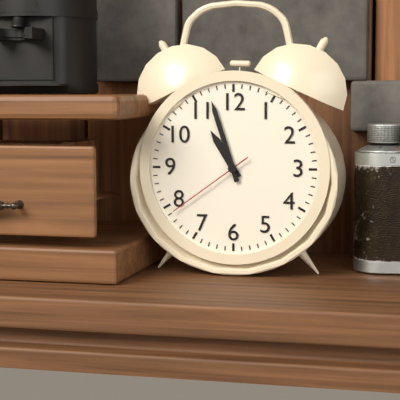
10.57.39
